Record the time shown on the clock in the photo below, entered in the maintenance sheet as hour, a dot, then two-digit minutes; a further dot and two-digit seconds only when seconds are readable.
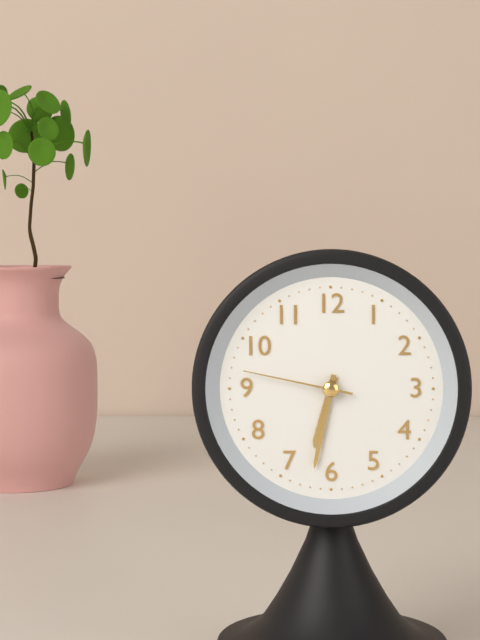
6.32.47
